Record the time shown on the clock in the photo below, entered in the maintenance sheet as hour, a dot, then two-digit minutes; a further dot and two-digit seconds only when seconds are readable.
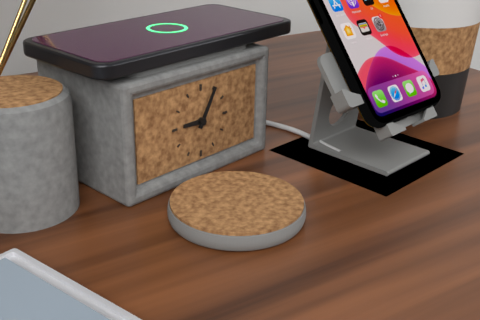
9.05
